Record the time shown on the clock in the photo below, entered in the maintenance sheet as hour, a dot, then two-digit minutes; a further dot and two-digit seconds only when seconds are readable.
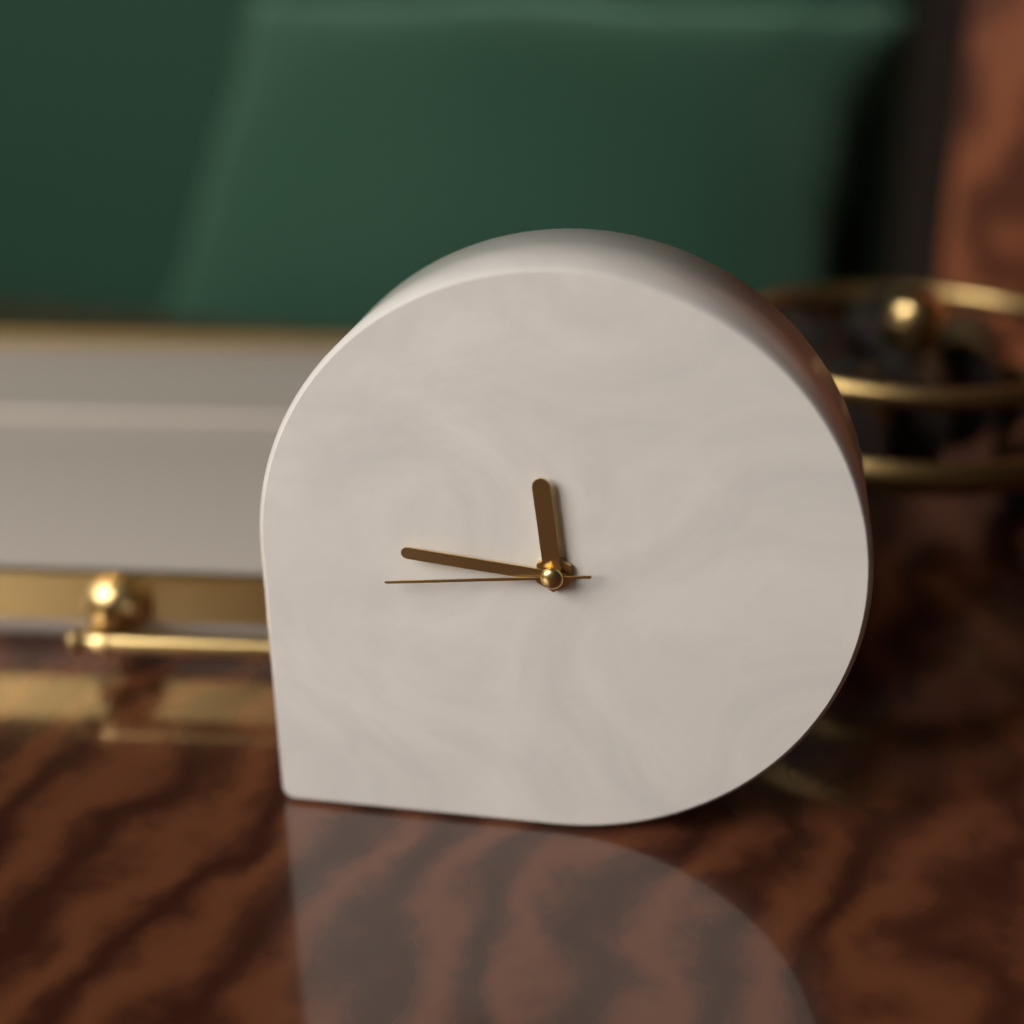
11.46.44
